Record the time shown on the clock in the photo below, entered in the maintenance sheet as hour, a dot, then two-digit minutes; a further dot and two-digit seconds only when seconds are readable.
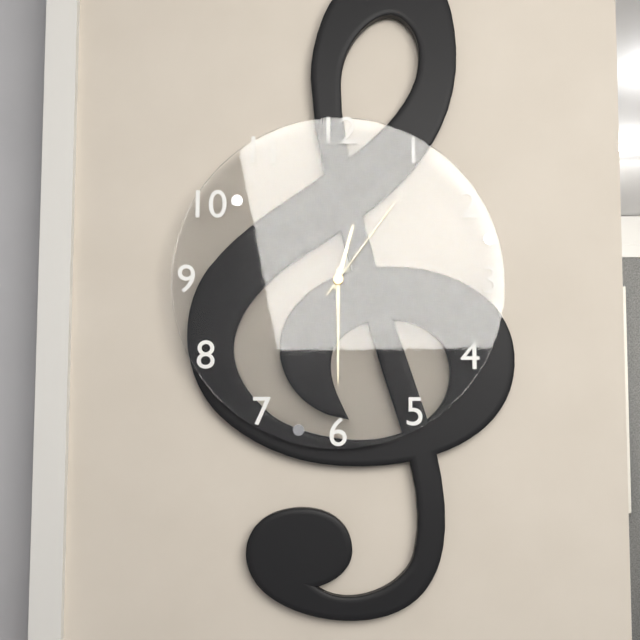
12.30.06
